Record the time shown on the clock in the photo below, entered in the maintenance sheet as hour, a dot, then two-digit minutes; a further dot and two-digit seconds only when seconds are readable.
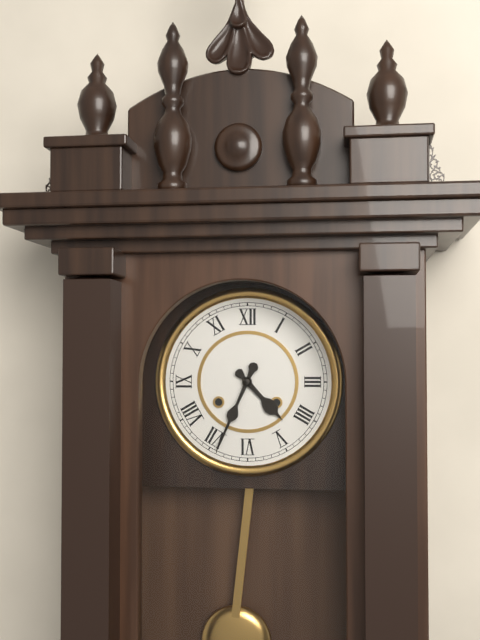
4.34
